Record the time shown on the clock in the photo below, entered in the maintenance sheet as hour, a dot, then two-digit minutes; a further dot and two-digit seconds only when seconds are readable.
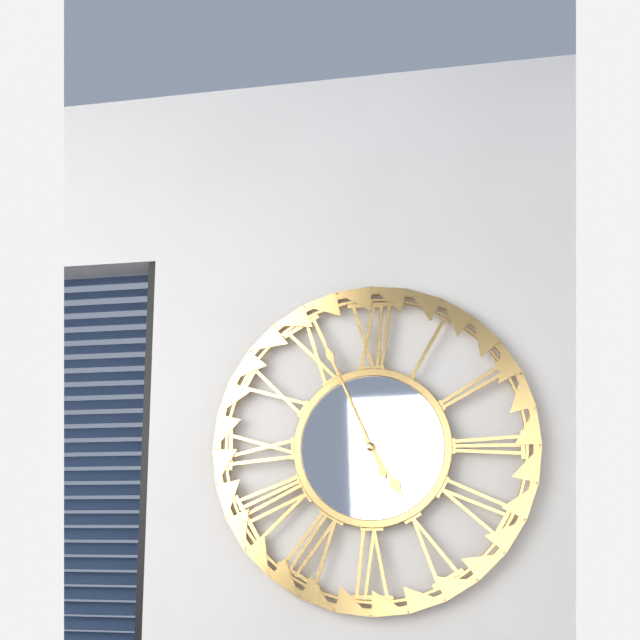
4.56
